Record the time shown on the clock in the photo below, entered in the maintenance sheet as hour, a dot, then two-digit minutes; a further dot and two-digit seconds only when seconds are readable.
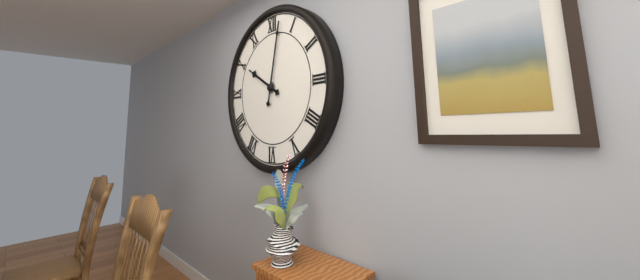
10.02
